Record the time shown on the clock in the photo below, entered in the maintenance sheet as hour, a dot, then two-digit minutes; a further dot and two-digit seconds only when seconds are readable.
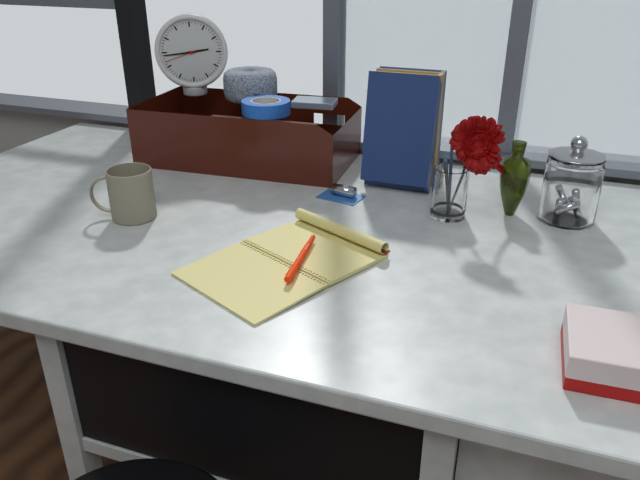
2.44
